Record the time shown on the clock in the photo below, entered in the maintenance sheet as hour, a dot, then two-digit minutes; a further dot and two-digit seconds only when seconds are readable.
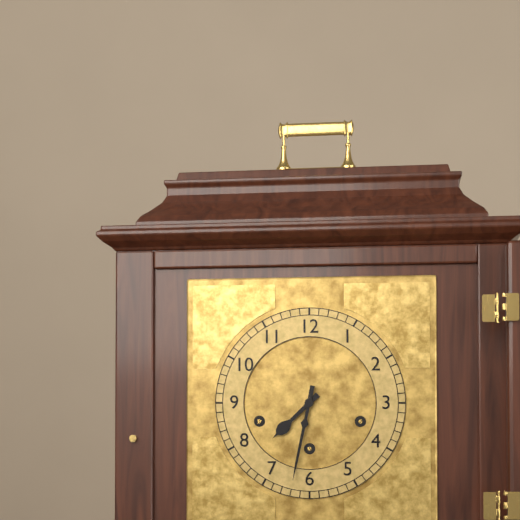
7.32
